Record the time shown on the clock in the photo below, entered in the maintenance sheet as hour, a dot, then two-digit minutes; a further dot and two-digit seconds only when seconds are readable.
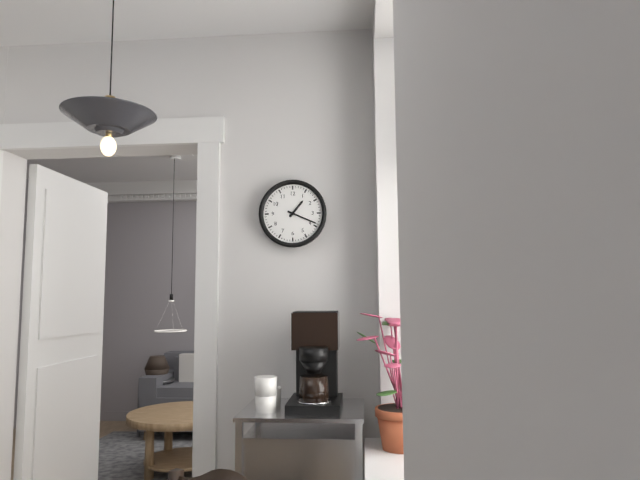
1.19
